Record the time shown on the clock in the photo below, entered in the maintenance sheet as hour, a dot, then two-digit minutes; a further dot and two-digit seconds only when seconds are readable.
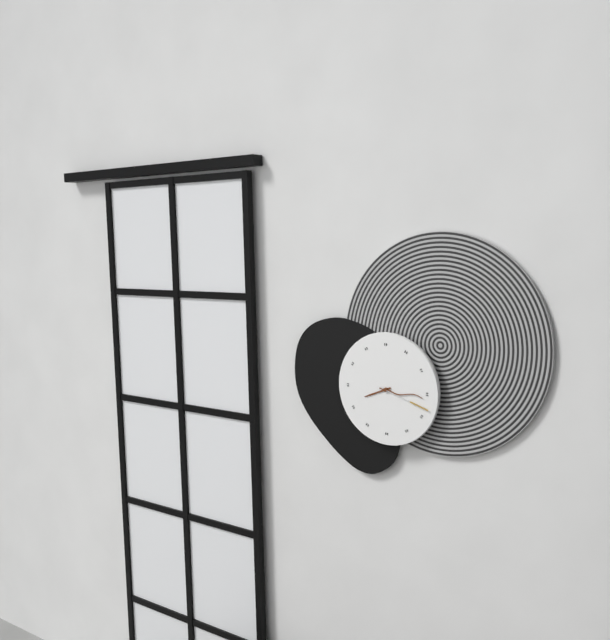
8.16.18
